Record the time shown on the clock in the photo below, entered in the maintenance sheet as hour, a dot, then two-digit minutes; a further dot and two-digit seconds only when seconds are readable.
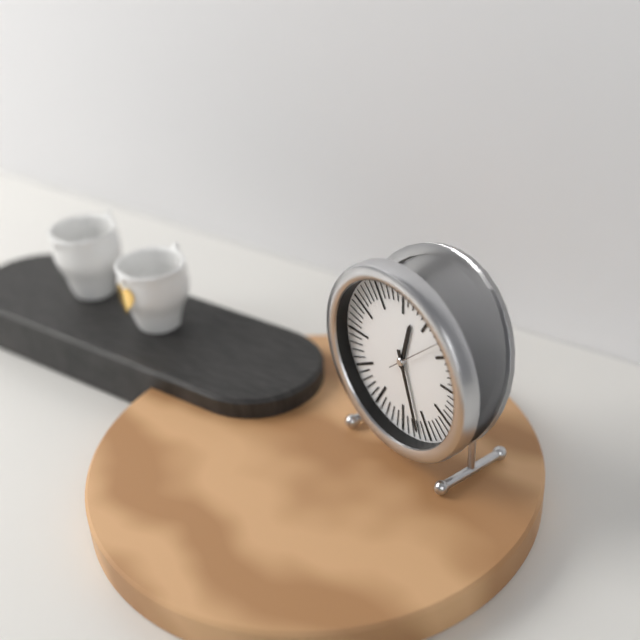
12.27.08
